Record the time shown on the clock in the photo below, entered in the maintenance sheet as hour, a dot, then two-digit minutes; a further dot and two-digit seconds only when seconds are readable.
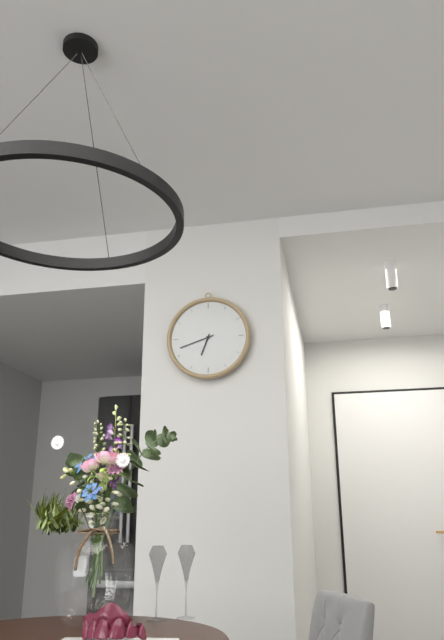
6.42
